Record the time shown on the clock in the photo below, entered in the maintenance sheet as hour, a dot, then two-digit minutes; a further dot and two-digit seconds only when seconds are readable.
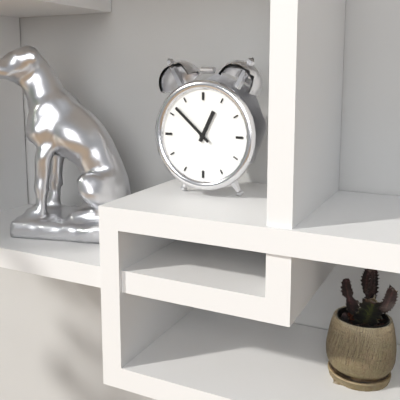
12.52
